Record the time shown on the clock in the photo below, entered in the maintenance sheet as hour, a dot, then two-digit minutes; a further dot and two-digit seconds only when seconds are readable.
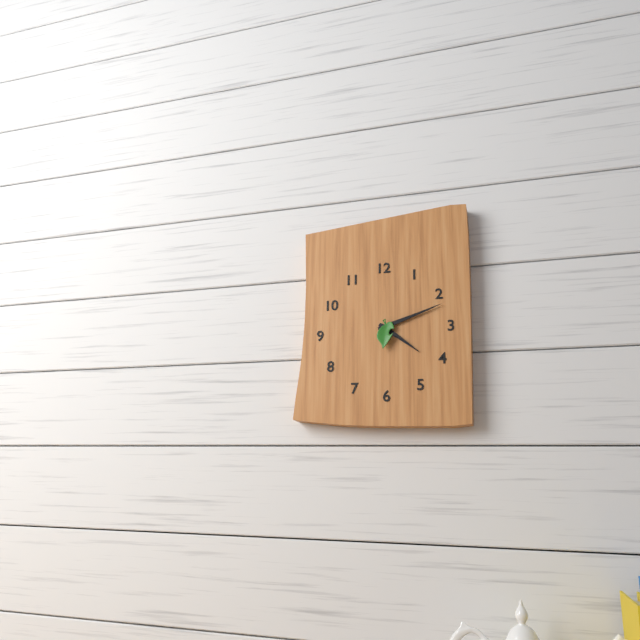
4.12
